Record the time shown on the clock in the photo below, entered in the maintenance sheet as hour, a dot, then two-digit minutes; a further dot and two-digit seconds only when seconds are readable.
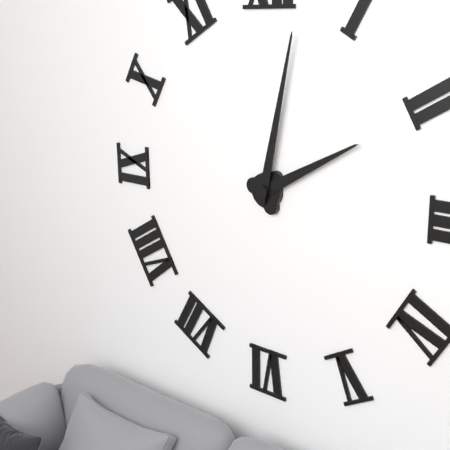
2.02
